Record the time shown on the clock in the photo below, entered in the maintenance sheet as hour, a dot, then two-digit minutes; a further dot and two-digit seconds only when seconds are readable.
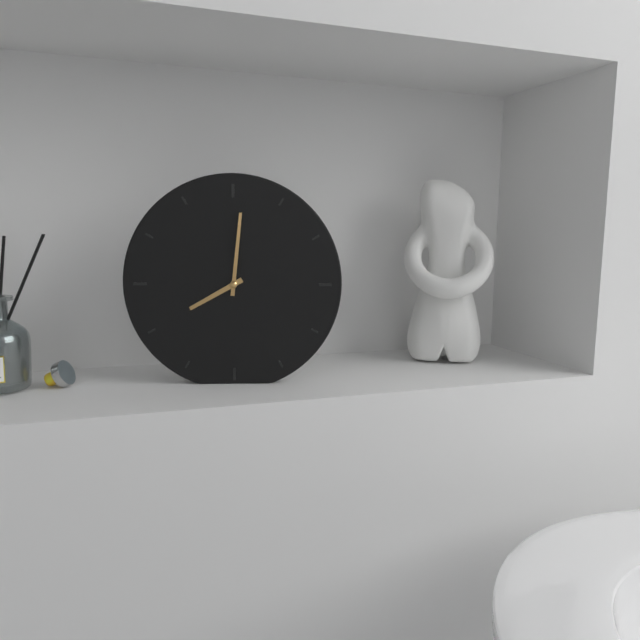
8.01
